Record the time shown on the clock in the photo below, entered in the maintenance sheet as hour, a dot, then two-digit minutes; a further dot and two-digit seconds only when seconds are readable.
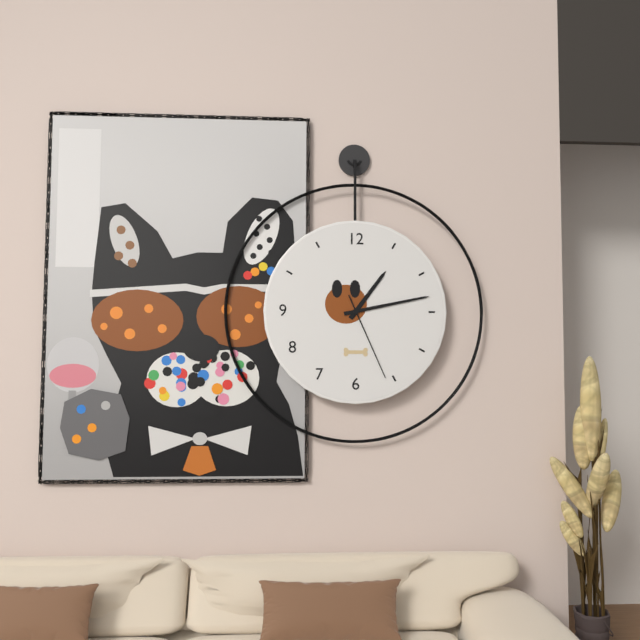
1.13.26
